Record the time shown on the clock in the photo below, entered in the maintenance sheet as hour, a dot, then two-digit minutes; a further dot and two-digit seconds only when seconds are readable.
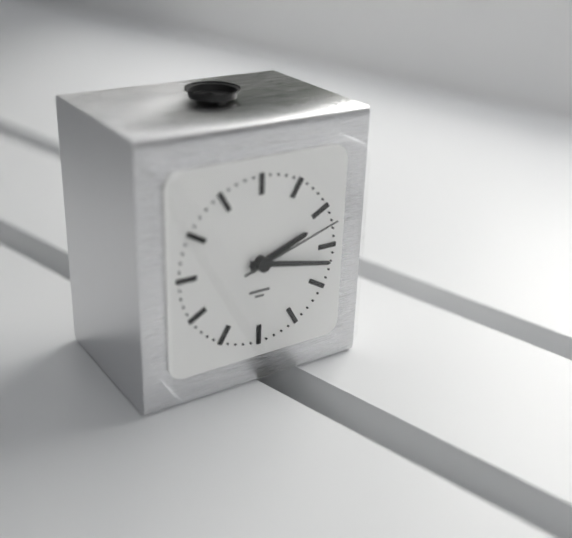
2.17.12
